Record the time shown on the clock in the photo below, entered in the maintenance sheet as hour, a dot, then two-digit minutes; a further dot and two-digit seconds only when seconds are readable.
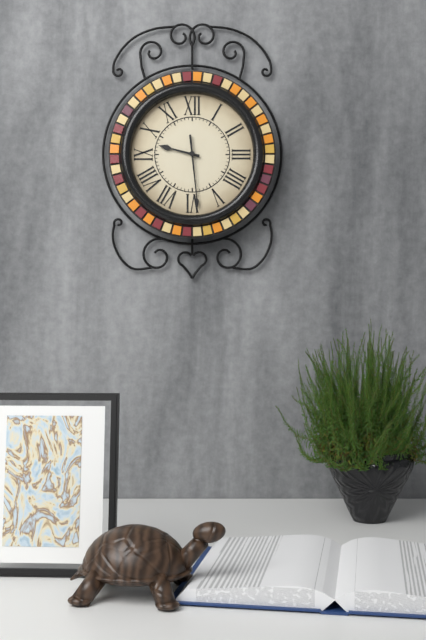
9.29
